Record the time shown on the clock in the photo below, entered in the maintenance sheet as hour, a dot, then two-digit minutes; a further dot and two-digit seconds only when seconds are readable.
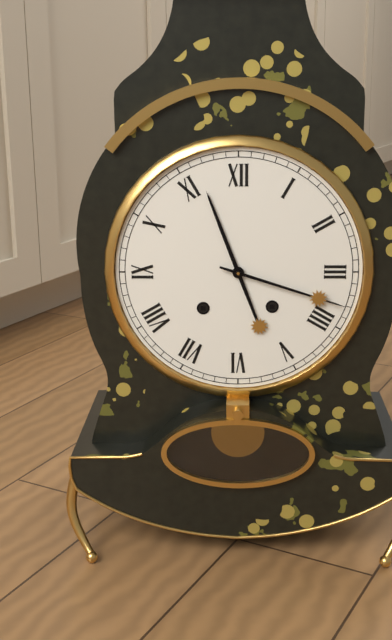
11.18
